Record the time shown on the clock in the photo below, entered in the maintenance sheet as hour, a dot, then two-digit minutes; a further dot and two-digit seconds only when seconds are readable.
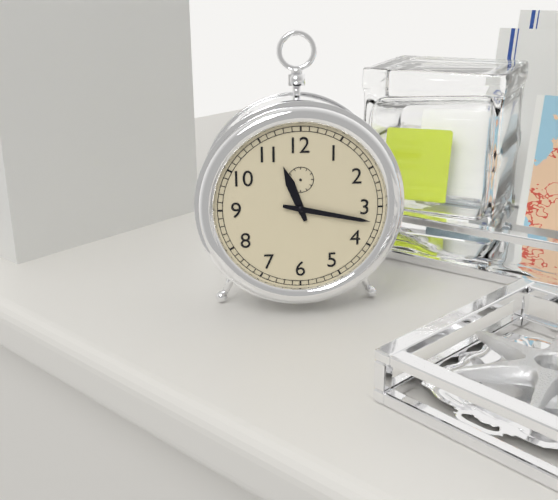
11.17
